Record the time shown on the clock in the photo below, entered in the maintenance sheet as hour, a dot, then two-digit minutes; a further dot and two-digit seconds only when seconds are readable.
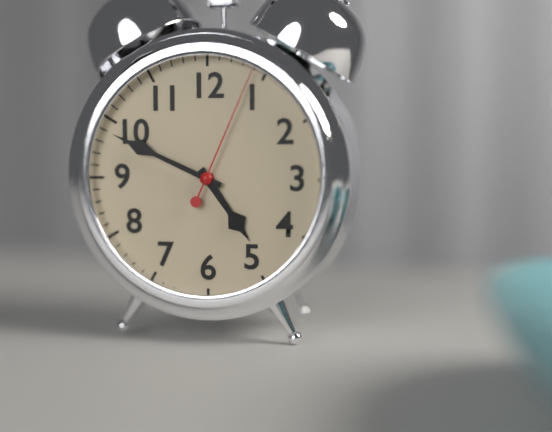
4.49.04
